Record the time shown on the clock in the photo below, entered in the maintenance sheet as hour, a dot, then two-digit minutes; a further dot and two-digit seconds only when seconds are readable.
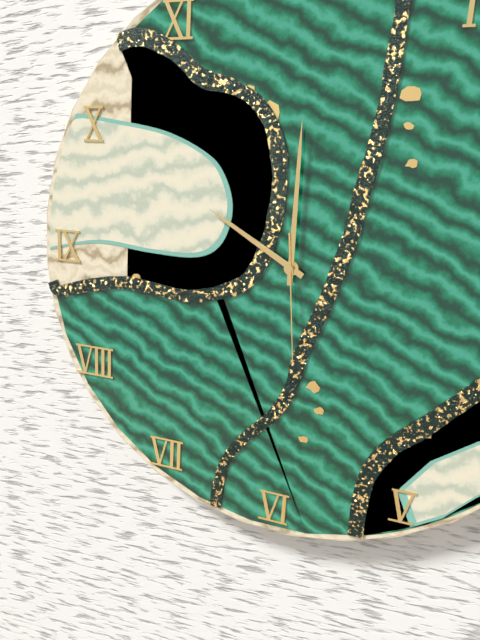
10.00.29
